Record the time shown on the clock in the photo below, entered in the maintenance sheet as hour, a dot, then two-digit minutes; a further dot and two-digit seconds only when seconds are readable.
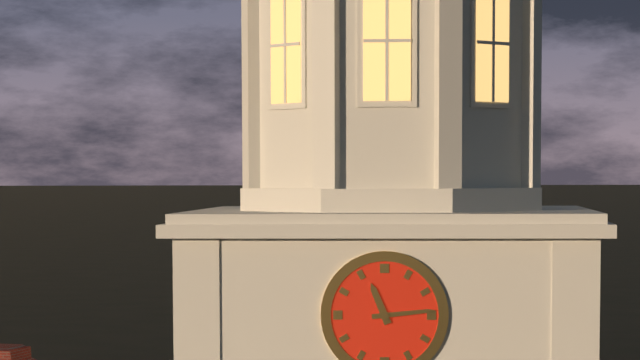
11.14
